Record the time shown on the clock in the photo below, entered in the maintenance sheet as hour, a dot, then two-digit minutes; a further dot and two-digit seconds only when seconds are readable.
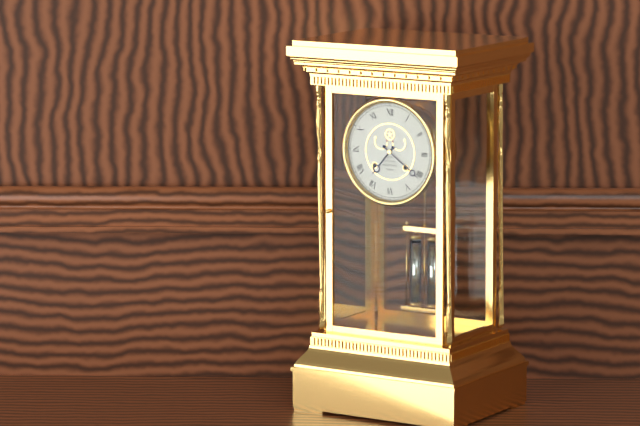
7.21
